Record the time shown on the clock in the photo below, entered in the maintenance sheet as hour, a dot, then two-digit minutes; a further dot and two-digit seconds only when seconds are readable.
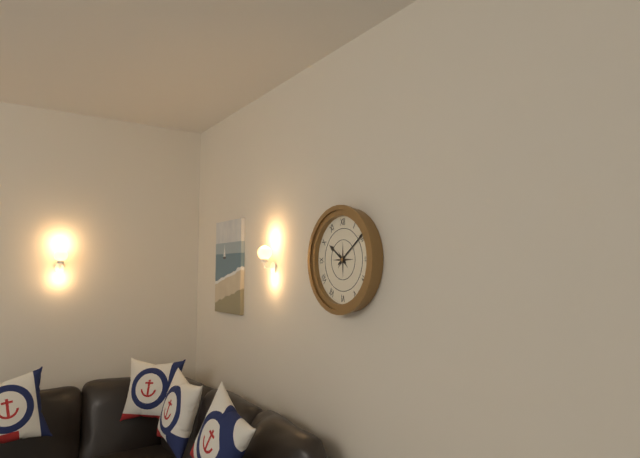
10.09
